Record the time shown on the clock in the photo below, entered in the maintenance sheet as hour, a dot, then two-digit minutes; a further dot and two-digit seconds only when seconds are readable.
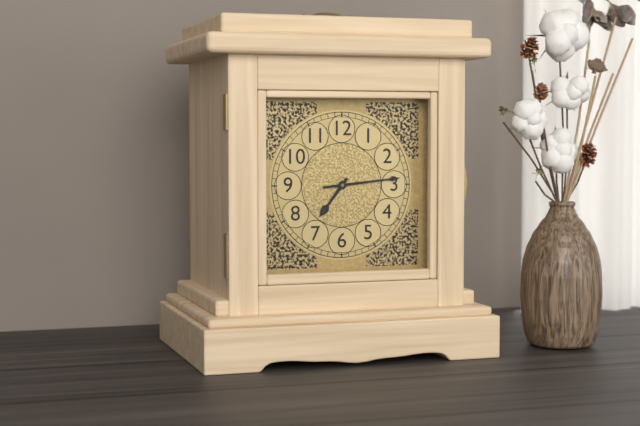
7.14
